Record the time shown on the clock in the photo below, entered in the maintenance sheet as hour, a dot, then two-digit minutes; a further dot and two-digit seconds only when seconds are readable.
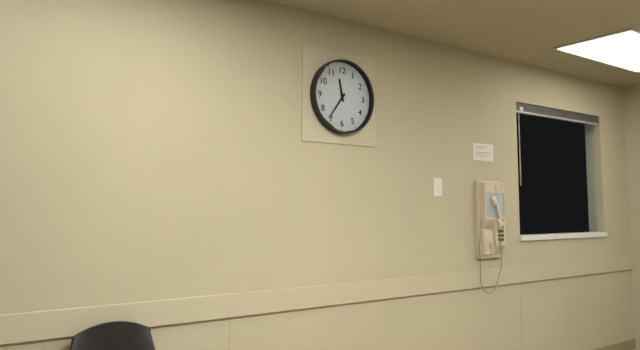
11.36
